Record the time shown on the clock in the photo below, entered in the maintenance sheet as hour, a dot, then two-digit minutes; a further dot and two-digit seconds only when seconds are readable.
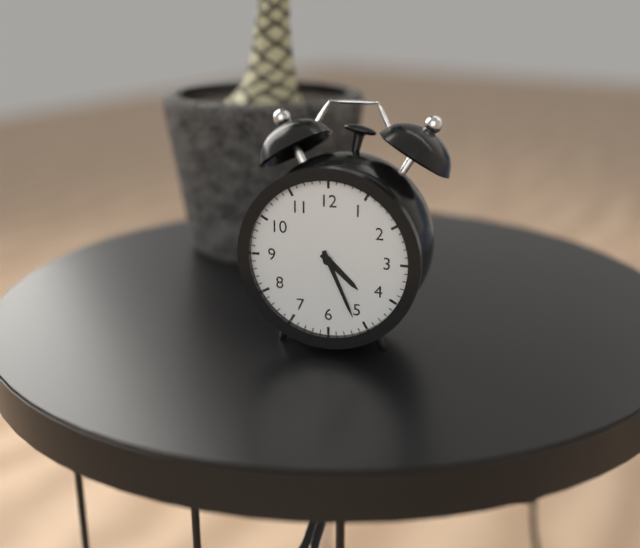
4.26
